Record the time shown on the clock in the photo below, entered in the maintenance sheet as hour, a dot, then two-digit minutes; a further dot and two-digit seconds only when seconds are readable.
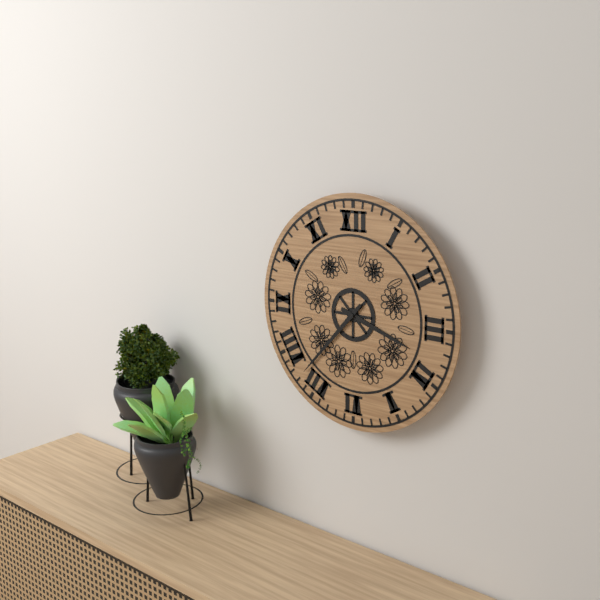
3.37
